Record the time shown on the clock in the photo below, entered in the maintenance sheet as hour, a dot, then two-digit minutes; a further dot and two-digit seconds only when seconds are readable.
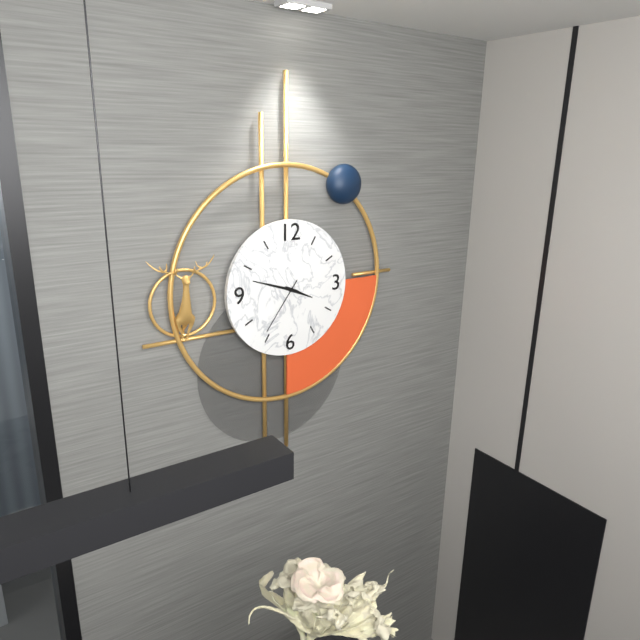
3.48.36
